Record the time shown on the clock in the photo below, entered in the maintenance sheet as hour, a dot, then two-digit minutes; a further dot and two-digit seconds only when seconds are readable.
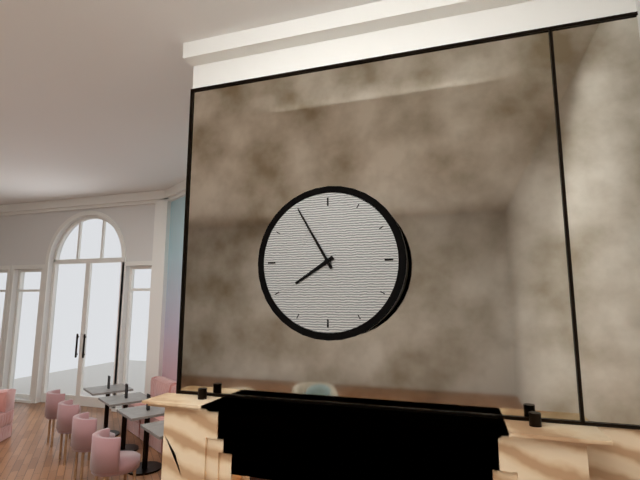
7.55
